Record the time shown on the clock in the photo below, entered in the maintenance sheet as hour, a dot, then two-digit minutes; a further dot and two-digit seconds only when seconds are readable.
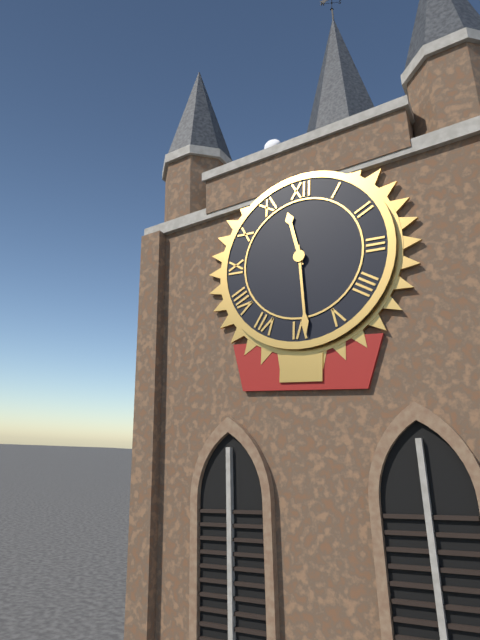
11.29
